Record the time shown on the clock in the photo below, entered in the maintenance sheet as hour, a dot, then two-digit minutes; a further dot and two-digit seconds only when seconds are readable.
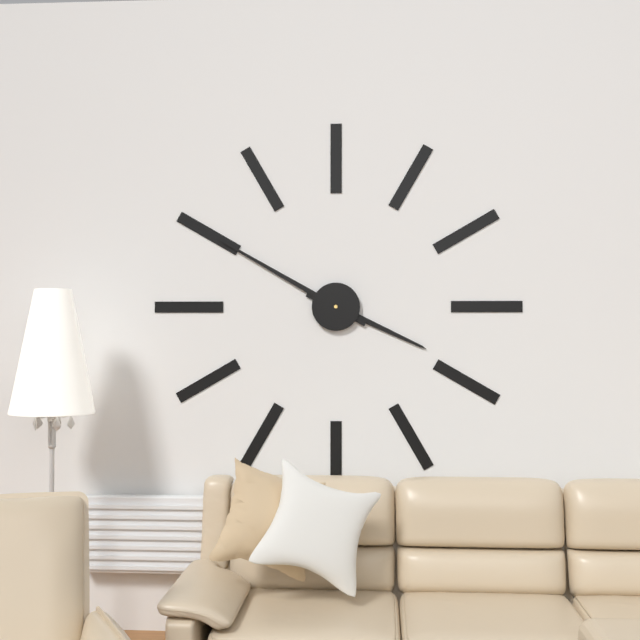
3.50
